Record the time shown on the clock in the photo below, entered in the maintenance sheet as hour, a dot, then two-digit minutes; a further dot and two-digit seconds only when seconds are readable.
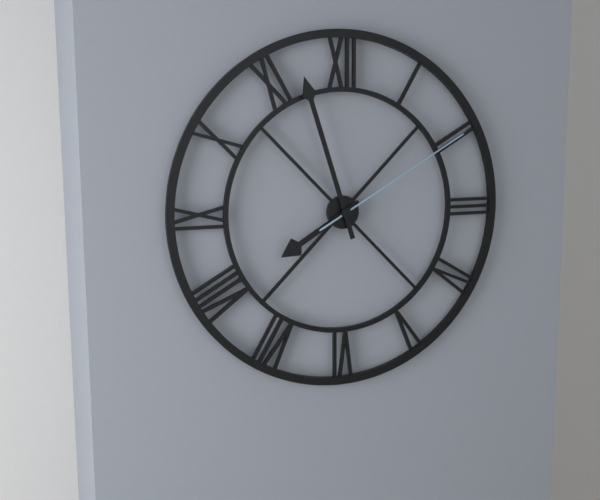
7.57.10
